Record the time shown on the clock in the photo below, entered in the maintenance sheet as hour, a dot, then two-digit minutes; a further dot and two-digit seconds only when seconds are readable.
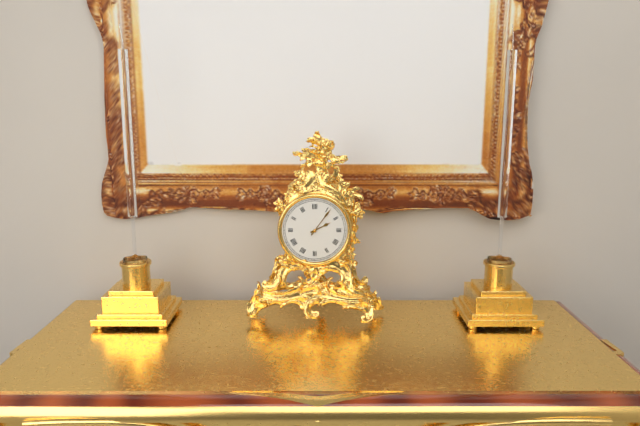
2.06
